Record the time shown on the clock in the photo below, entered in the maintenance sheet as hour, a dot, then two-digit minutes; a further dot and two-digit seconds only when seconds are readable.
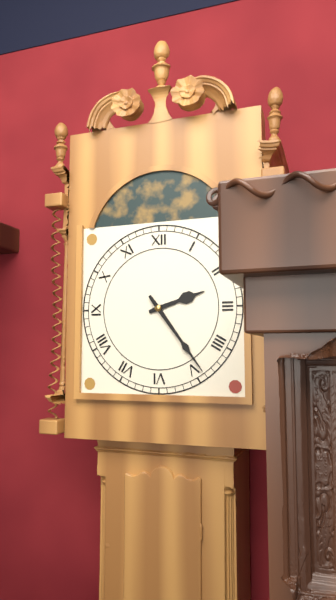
2.24
